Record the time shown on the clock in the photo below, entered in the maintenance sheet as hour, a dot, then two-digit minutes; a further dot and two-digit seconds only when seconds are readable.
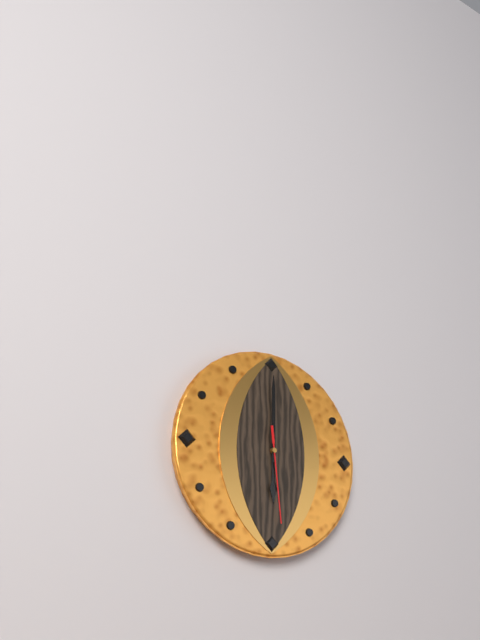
6.00.29
